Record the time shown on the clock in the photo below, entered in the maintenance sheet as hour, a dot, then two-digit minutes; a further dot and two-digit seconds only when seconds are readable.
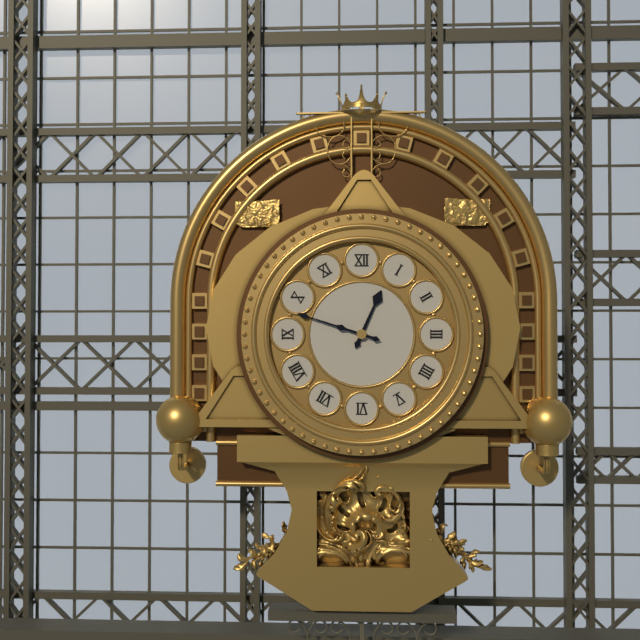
12.48
